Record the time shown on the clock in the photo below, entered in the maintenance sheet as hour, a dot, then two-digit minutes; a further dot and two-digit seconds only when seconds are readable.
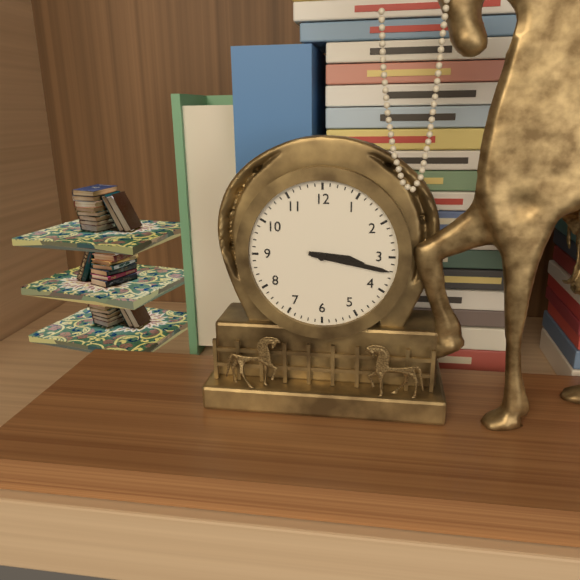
3.17
